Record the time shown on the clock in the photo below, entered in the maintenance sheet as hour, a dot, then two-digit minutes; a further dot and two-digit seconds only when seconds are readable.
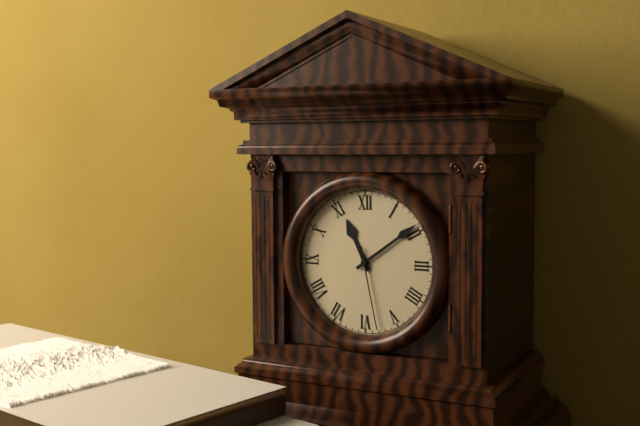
11.09.28
